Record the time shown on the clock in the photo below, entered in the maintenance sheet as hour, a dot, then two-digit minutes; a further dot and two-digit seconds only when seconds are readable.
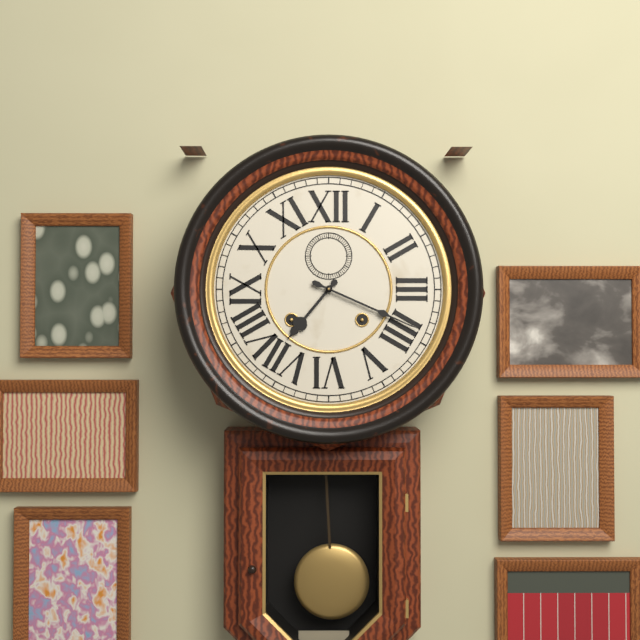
7.19
